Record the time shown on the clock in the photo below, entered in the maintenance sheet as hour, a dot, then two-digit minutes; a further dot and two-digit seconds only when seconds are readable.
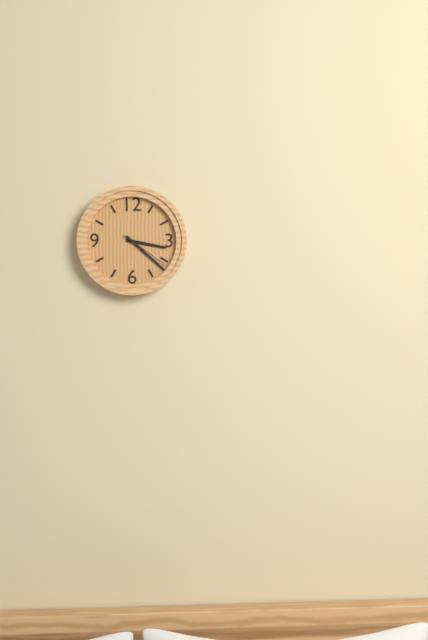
3.22.21
